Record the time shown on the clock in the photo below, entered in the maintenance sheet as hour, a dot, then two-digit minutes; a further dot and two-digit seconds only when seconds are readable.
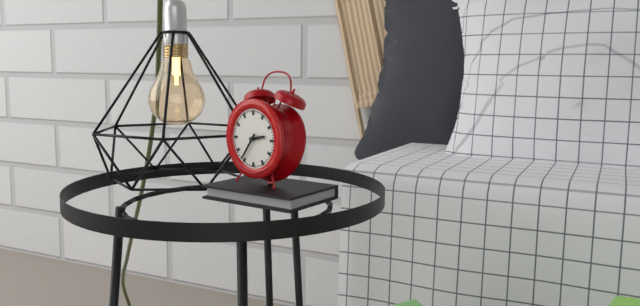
2.36
